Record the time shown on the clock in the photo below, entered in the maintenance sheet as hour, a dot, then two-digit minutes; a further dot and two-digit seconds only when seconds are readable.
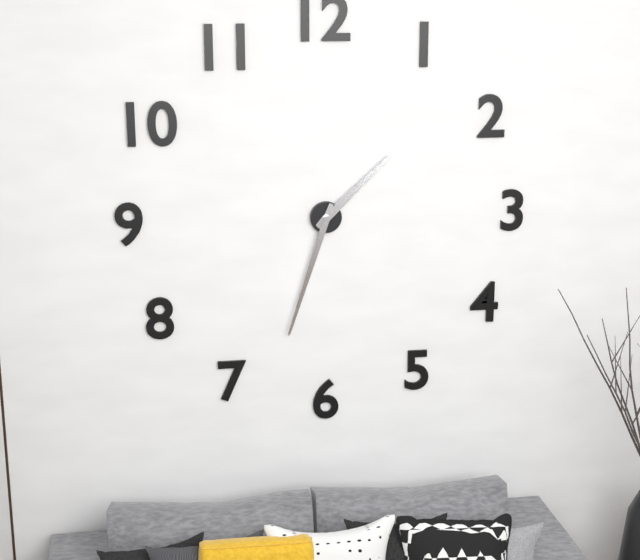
1.33
